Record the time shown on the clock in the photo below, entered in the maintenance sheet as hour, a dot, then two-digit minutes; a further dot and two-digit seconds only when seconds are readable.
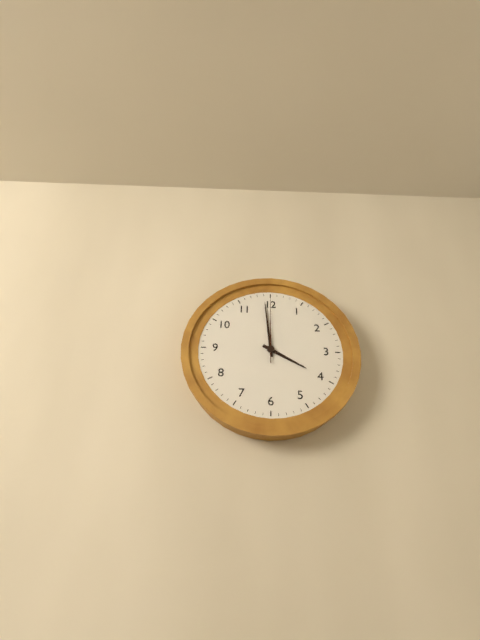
3.59.00
